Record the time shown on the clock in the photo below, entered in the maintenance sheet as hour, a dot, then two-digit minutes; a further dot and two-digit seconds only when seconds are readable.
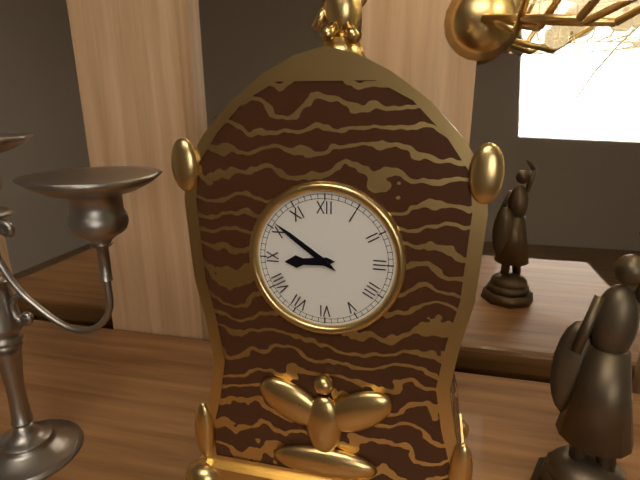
8.51
